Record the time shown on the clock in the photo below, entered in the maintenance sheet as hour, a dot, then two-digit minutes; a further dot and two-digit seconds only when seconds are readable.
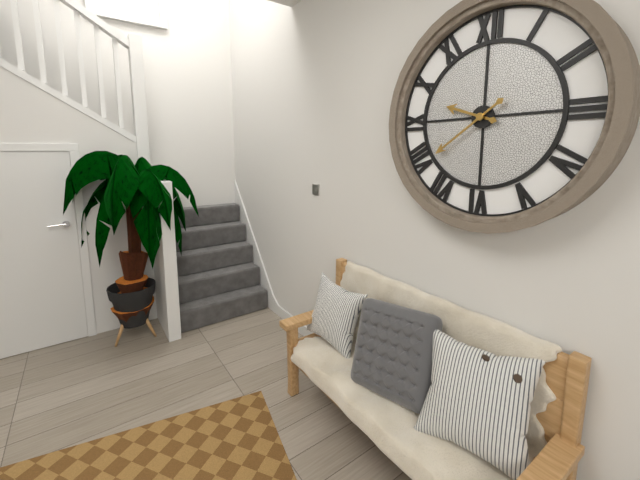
9.39
